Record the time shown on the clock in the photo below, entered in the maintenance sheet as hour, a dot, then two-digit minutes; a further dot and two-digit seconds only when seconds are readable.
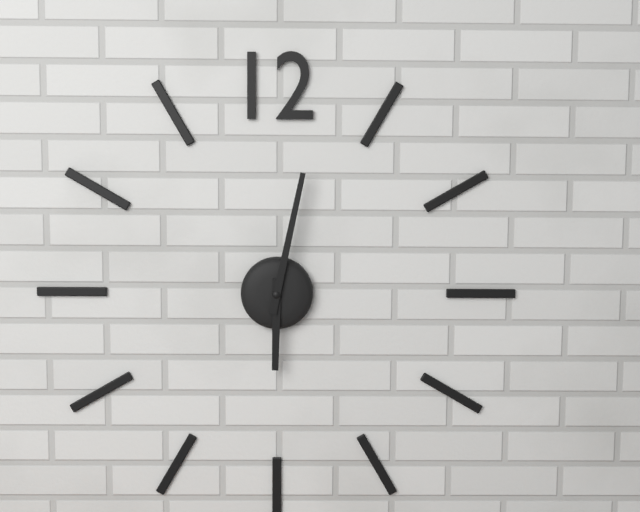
6.02
